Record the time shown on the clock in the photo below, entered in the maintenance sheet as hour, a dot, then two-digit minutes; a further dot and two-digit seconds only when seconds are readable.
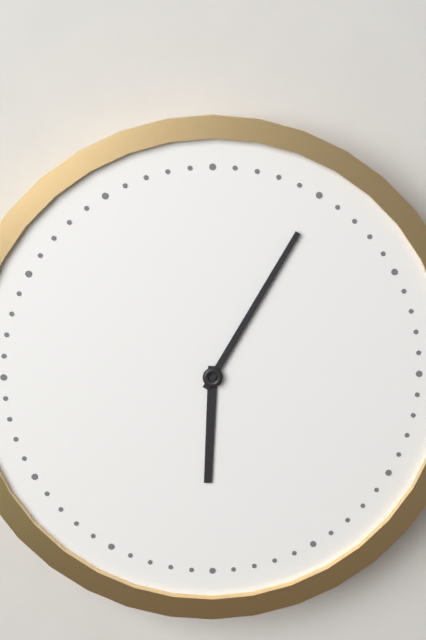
6.05
